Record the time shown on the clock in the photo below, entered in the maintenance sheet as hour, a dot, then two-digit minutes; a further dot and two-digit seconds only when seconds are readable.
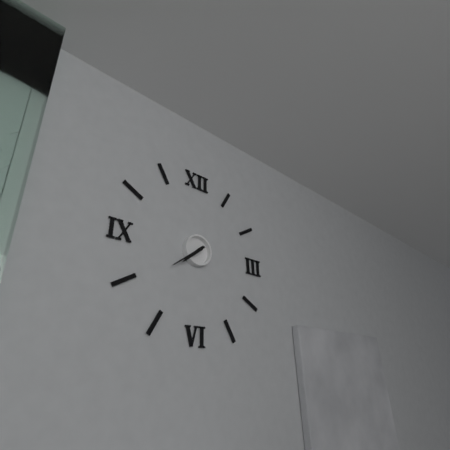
7.39
